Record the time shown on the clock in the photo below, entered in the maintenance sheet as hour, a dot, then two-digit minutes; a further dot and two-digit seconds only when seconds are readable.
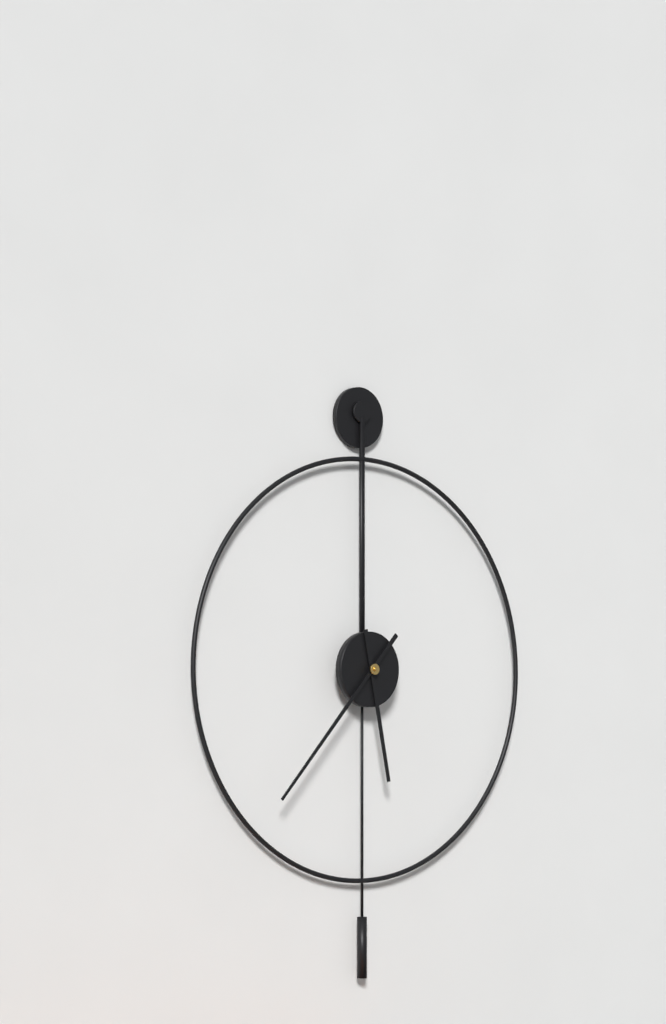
5.37
